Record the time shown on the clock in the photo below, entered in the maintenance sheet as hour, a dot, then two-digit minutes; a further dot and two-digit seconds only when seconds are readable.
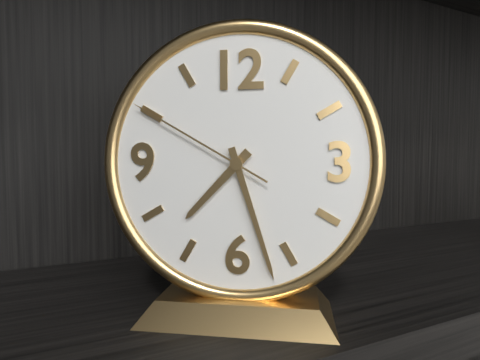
7.27.50
